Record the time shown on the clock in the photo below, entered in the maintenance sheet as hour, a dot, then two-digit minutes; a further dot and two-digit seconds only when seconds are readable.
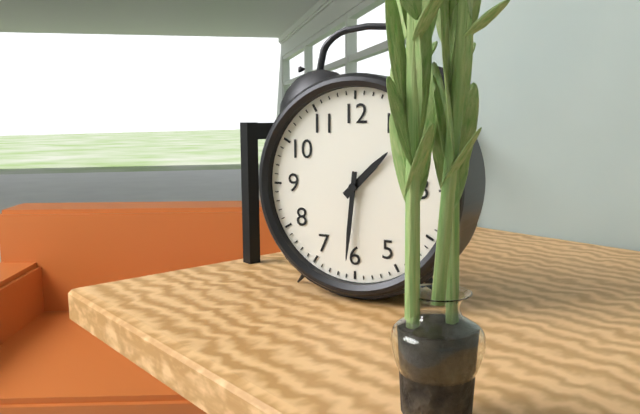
1.31
